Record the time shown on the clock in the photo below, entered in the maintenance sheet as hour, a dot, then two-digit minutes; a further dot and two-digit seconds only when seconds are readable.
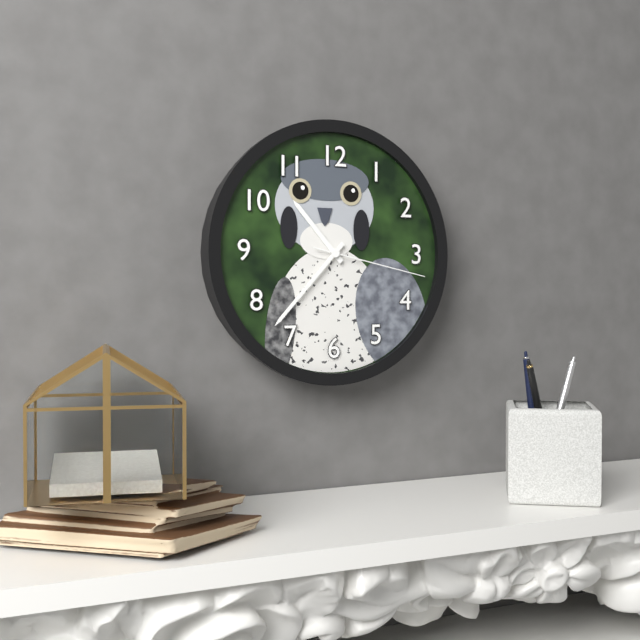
10.37.17
